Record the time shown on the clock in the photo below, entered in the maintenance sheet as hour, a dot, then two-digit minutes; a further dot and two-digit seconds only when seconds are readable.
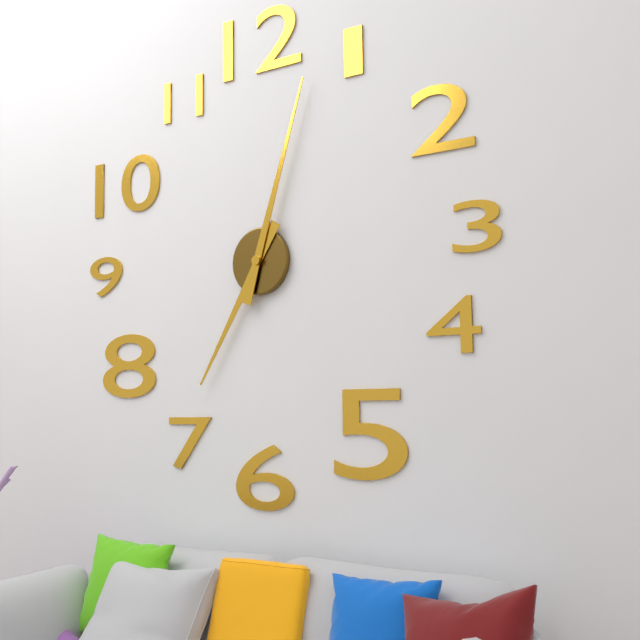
7.03
